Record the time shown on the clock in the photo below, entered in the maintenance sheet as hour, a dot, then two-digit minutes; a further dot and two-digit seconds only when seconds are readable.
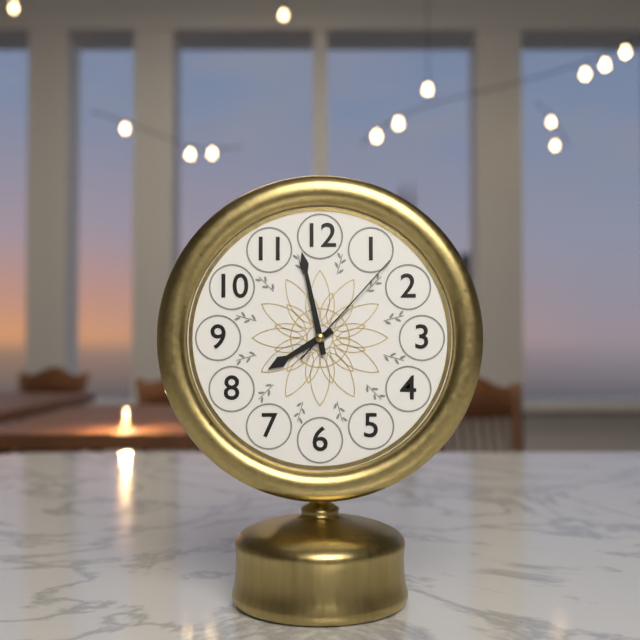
7.58.07
